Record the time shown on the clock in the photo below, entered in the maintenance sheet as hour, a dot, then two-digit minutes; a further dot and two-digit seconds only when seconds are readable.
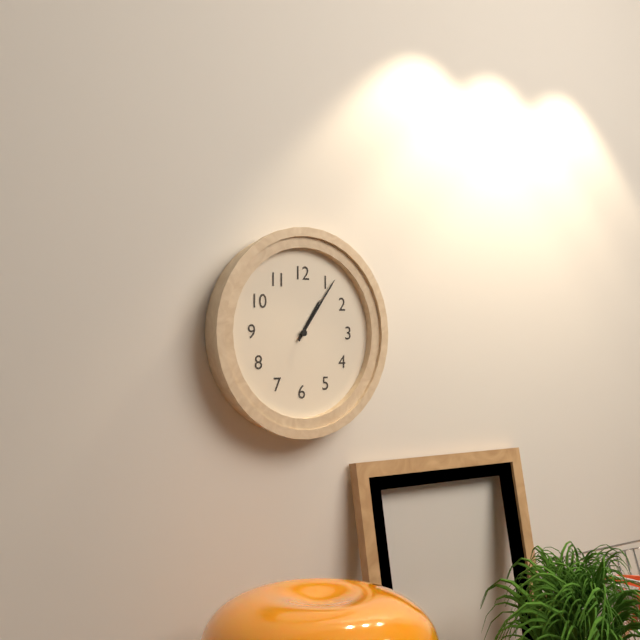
1.06
